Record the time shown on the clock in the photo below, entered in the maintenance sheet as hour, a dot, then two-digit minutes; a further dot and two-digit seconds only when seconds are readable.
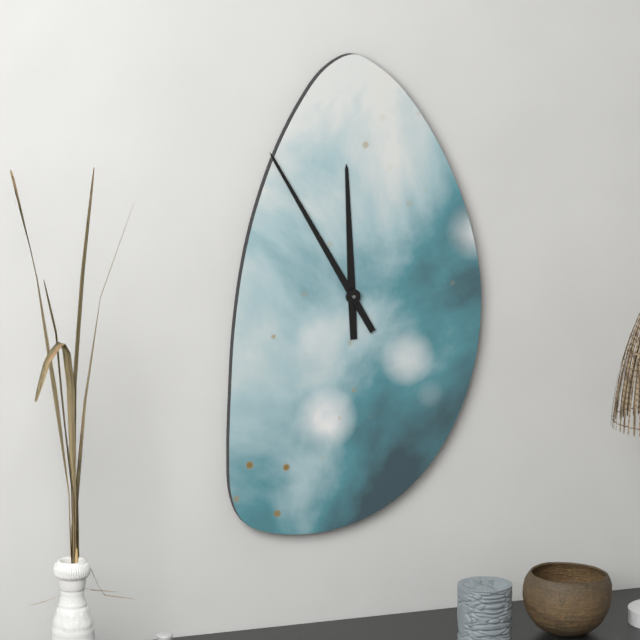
11.55
